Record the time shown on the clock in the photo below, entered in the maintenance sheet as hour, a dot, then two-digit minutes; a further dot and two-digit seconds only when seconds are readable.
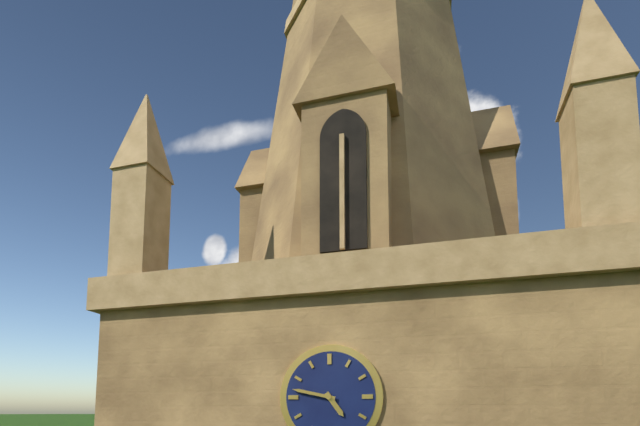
4.47
